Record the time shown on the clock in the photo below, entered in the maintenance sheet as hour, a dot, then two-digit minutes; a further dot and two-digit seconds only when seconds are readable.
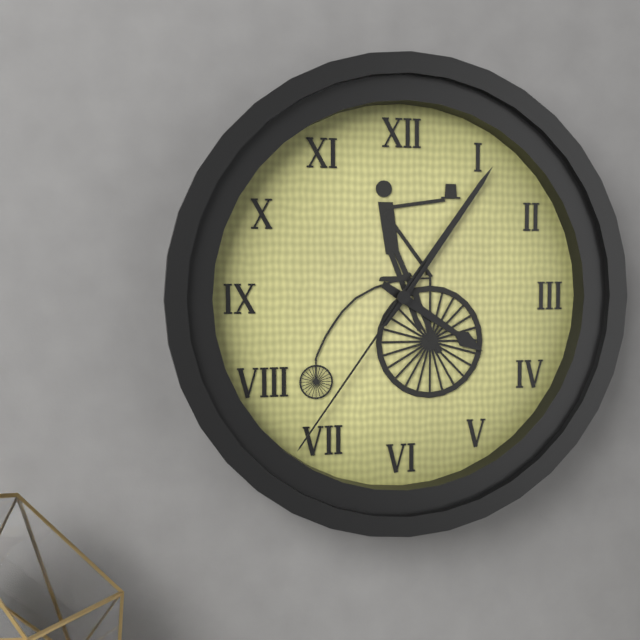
4.06.36
